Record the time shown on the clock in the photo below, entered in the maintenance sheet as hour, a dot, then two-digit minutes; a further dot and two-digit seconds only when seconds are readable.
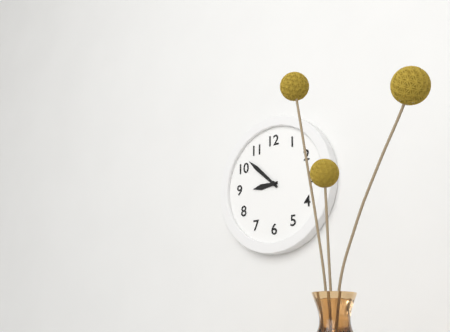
8.52
